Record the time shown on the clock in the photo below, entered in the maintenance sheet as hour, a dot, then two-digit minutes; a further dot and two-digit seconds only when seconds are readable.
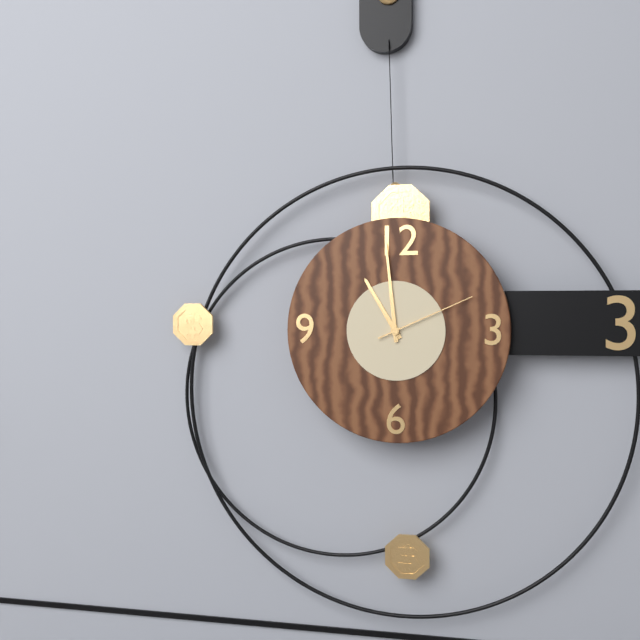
10.59.11
